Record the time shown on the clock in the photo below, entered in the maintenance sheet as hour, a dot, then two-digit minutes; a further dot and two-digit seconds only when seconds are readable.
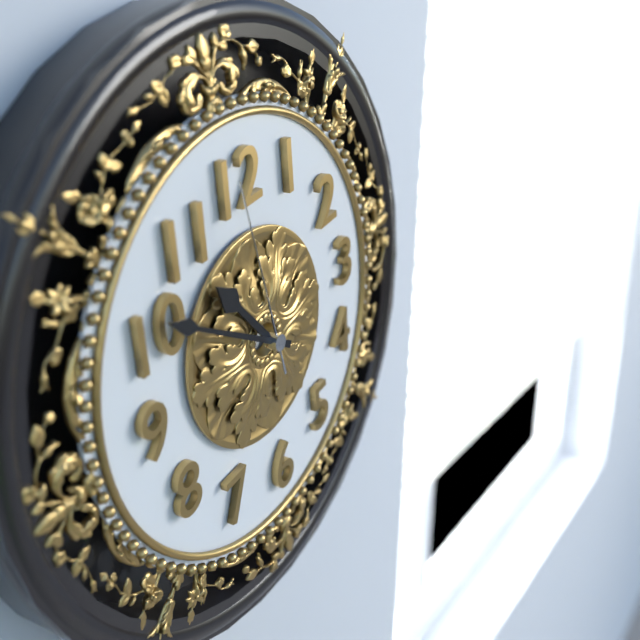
10.51.59
